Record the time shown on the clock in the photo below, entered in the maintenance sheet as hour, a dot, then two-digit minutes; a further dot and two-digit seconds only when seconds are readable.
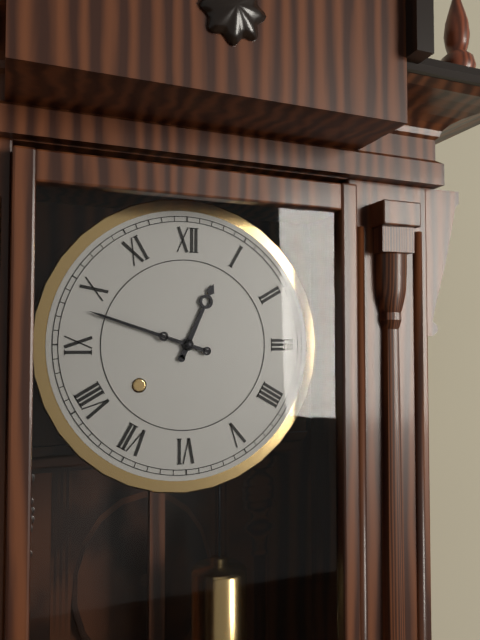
12.48
